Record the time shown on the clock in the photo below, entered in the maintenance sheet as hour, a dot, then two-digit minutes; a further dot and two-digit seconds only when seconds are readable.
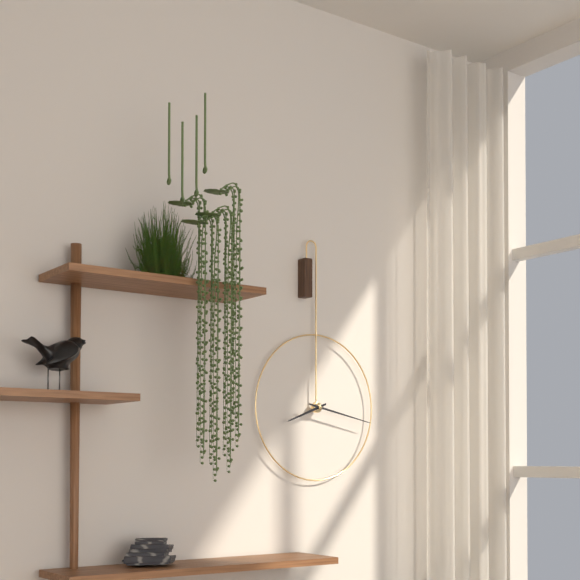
8.17
